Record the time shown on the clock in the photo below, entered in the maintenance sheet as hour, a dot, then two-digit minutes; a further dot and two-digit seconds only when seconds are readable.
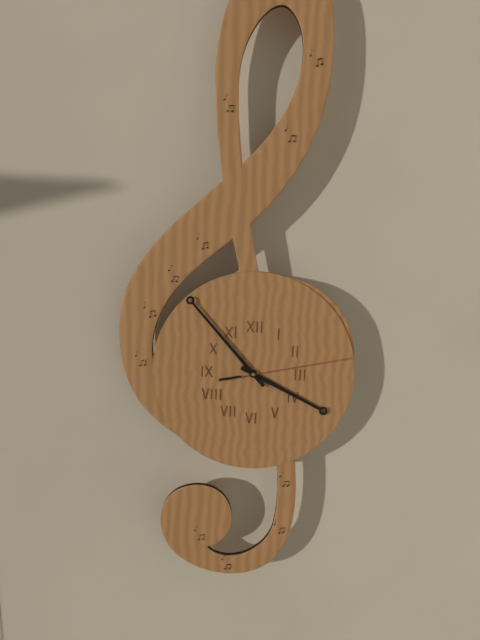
3.53.13
